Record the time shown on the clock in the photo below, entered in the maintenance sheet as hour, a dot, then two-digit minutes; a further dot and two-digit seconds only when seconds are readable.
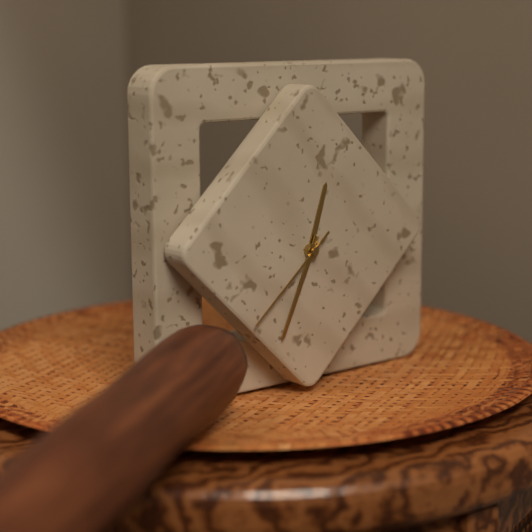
12.34.38
